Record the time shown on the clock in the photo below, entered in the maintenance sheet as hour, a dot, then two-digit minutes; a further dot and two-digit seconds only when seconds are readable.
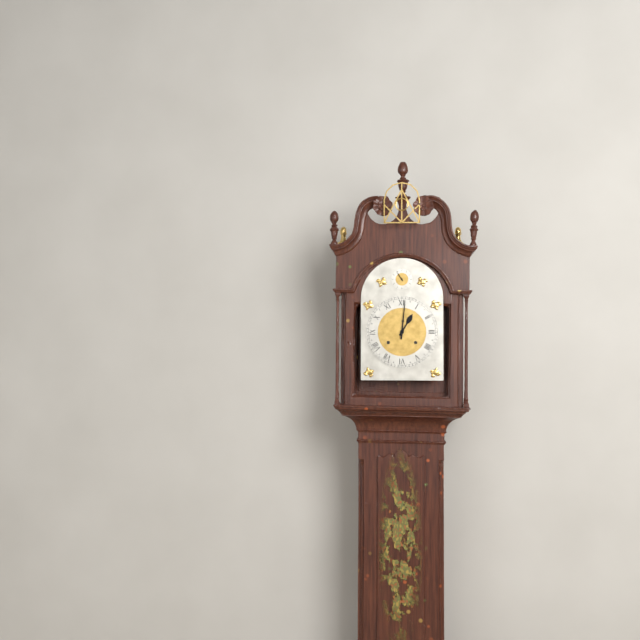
1.01
